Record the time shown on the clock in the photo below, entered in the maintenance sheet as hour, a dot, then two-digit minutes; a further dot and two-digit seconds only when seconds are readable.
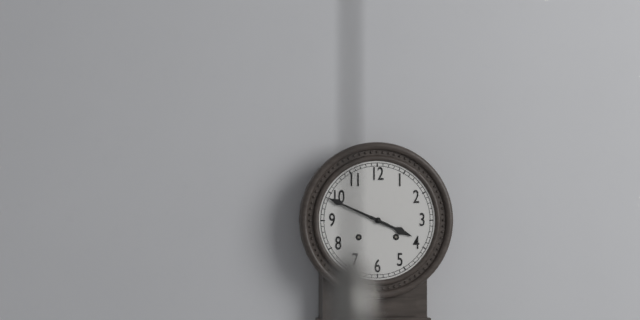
3.49
